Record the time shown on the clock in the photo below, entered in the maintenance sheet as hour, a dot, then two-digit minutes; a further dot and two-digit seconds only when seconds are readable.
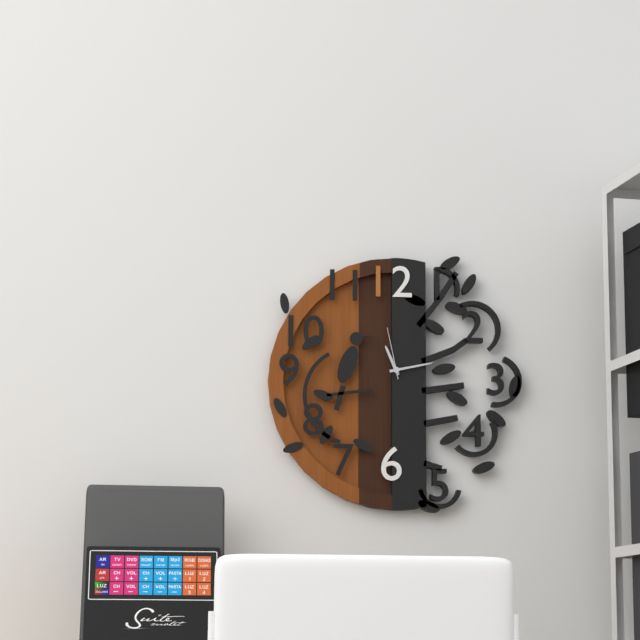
11.13.58
